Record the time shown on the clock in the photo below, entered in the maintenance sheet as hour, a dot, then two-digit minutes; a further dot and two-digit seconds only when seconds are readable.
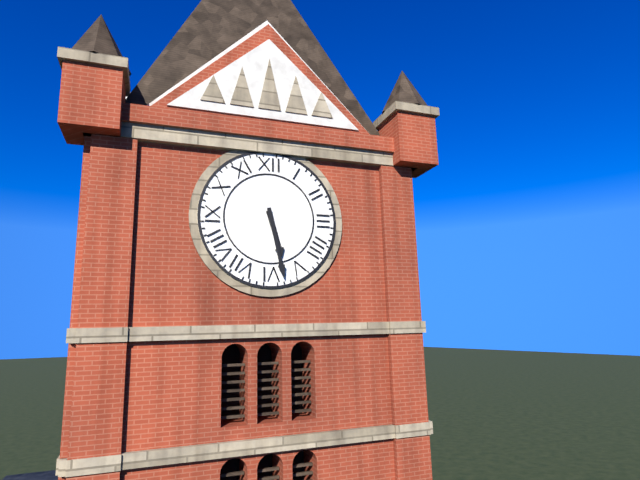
5.28
